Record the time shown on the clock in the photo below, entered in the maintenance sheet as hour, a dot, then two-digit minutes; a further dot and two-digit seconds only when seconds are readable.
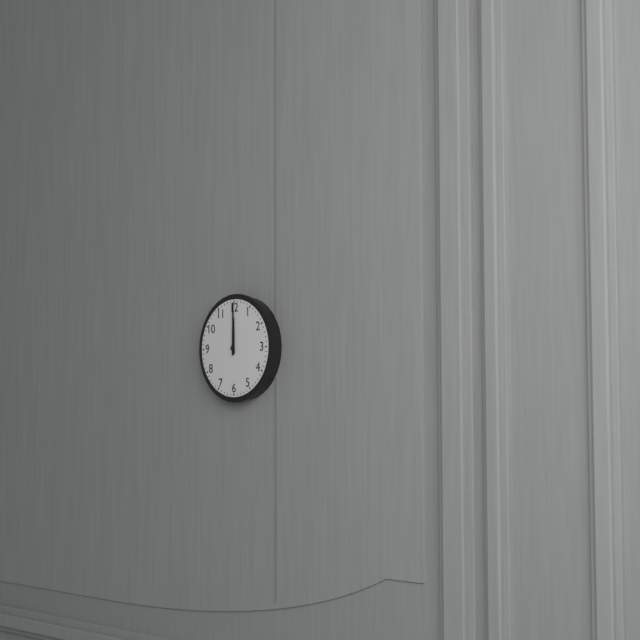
12.00
